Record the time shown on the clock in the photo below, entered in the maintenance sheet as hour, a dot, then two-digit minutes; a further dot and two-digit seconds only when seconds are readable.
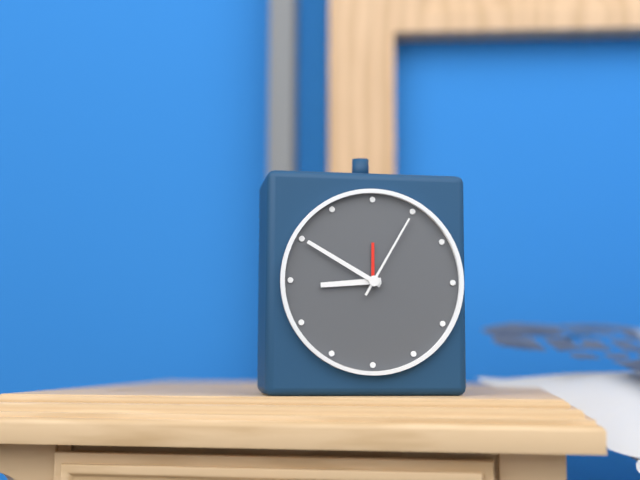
8.50.05
